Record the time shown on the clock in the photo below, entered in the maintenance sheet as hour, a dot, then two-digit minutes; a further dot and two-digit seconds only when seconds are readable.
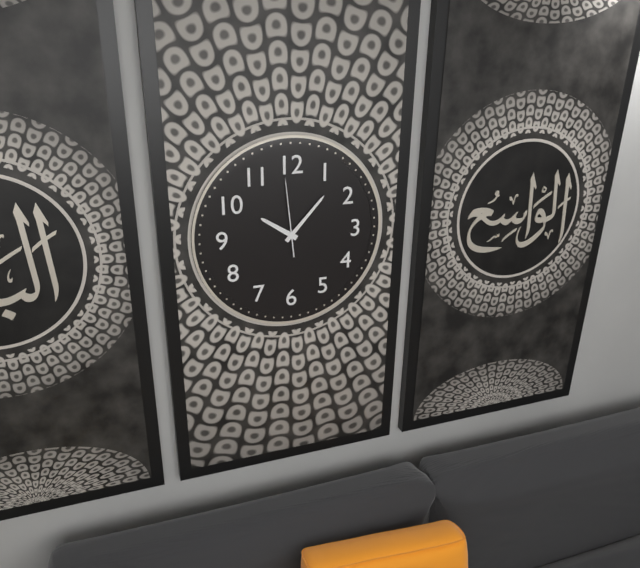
10.07.59
